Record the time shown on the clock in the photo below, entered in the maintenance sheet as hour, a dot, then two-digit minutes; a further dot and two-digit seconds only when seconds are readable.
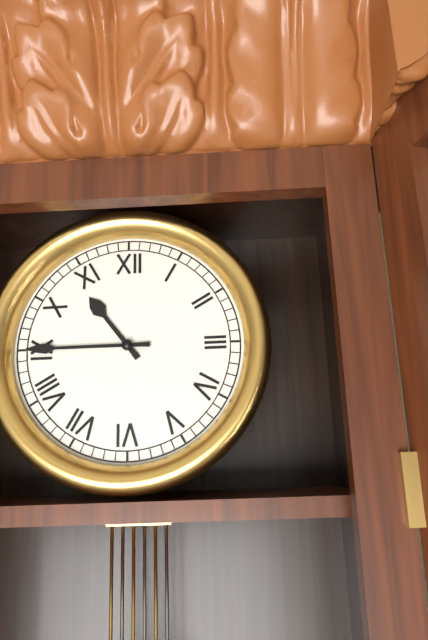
10.45
